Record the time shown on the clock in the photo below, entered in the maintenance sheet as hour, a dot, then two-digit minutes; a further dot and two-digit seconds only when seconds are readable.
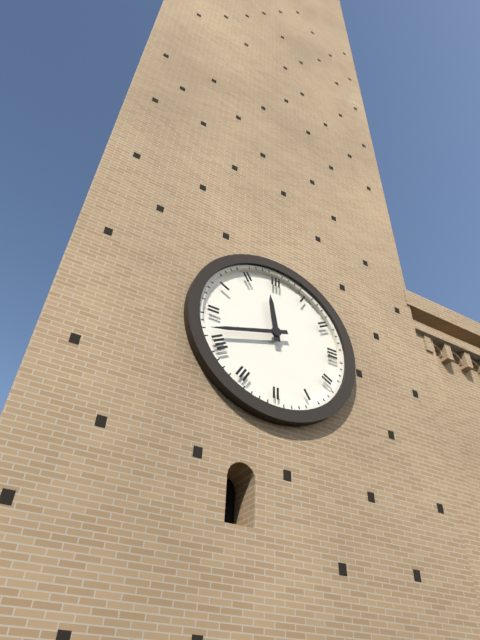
11.42
